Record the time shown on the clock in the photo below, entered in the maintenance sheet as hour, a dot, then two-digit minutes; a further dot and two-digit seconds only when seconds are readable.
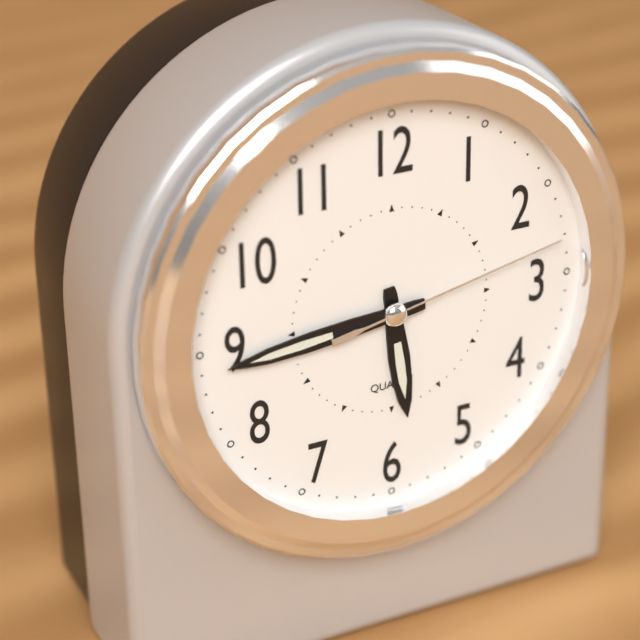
5.44.13
